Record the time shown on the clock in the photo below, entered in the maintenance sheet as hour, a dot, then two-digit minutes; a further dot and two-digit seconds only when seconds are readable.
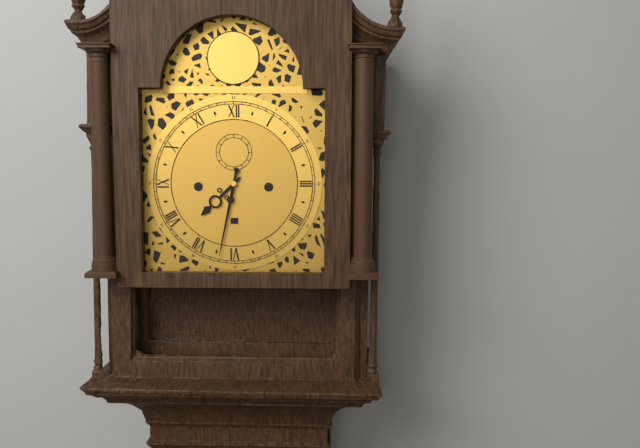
7.32
